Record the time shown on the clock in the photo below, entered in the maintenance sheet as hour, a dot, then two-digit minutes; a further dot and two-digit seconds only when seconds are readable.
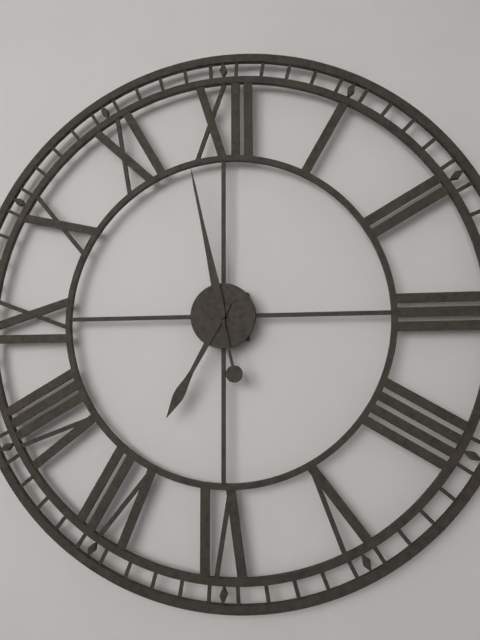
6.58
